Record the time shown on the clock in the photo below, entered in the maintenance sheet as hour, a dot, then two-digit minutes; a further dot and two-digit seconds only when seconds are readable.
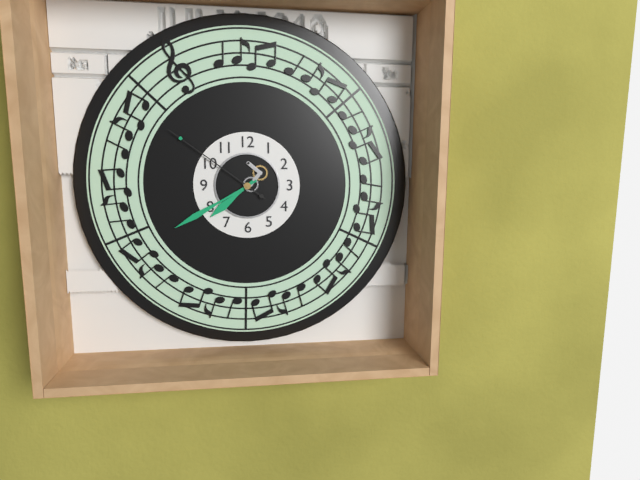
7.40.51
